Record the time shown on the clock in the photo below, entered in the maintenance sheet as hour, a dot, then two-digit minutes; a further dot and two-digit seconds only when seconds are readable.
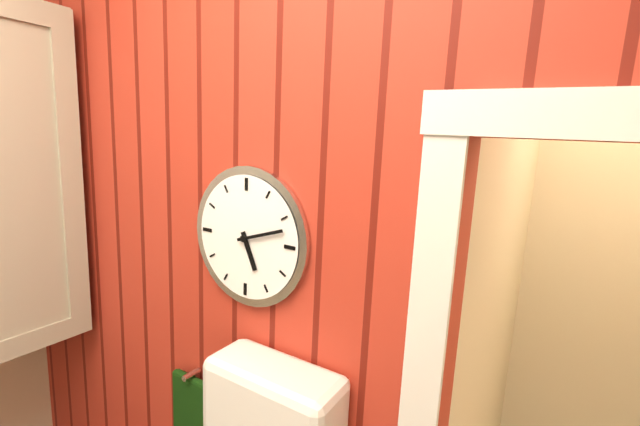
5.12
